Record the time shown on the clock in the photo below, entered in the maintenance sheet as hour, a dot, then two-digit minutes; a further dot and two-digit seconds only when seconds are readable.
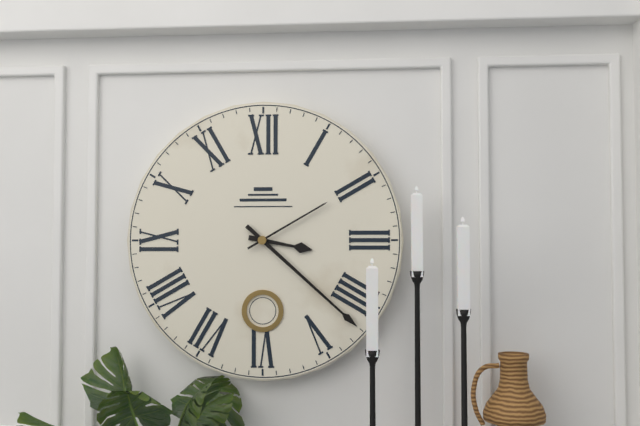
3.22.10
